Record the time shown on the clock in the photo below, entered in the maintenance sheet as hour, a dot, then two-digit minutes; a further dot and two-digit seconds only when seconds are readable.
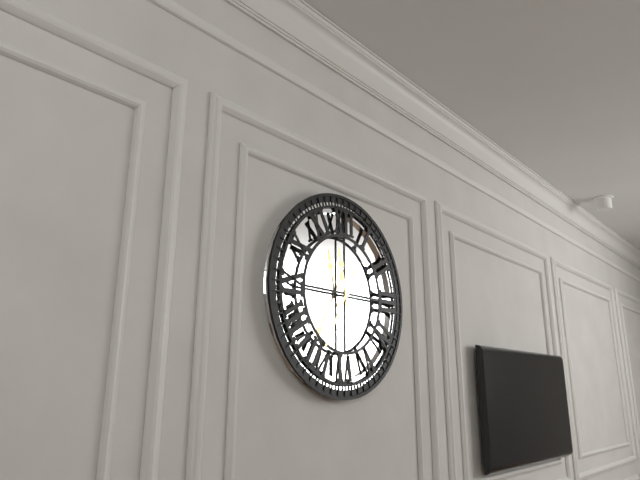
11.35
